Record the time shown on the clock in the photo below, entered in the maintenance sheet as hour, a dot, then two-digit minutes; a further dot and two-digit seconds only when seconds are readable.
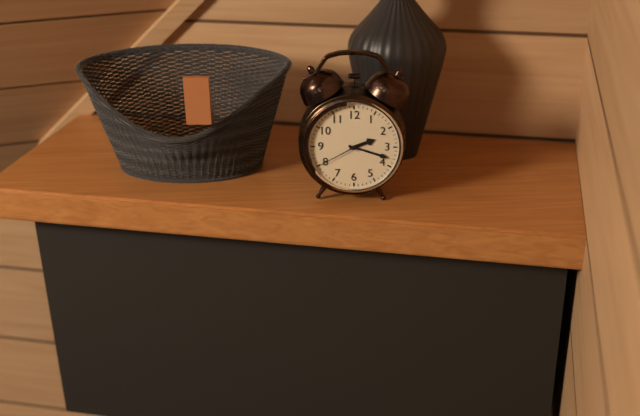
2.18.40
